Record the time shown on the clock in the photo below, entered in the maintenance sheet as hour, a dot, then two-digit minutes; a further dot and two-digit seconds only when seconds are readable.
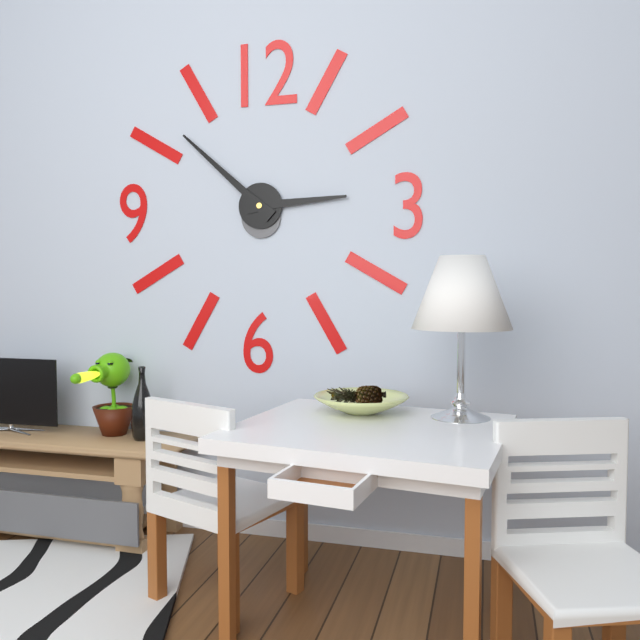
2.52
